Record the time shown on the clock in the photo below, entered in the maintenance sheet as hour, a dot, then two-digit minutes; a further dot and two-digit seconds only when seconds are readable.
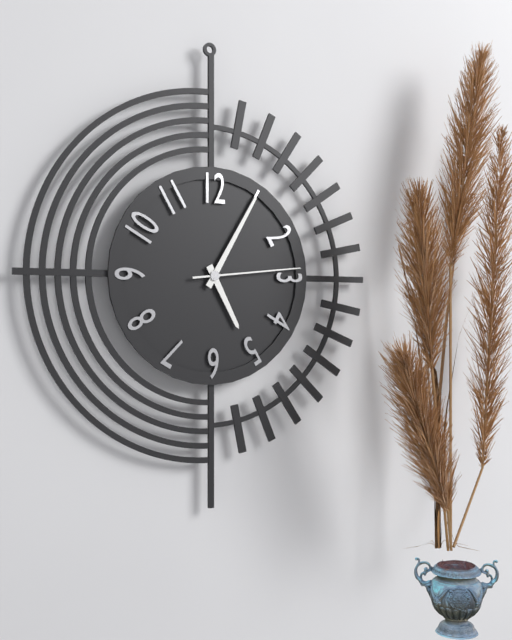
5.05.14
